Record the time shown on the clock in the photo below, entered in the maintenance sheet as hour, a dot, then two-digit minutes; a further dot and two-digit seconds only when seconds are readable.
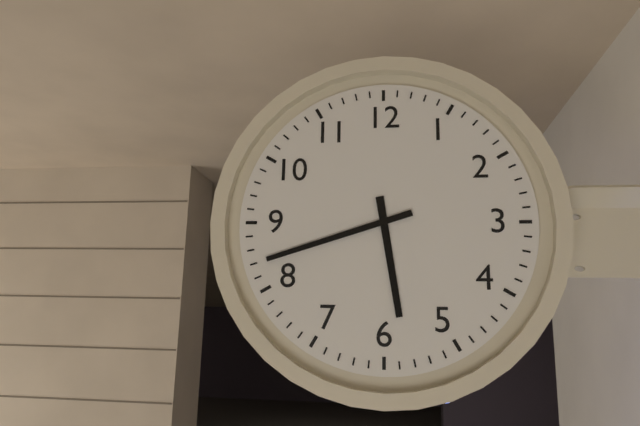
5.42
